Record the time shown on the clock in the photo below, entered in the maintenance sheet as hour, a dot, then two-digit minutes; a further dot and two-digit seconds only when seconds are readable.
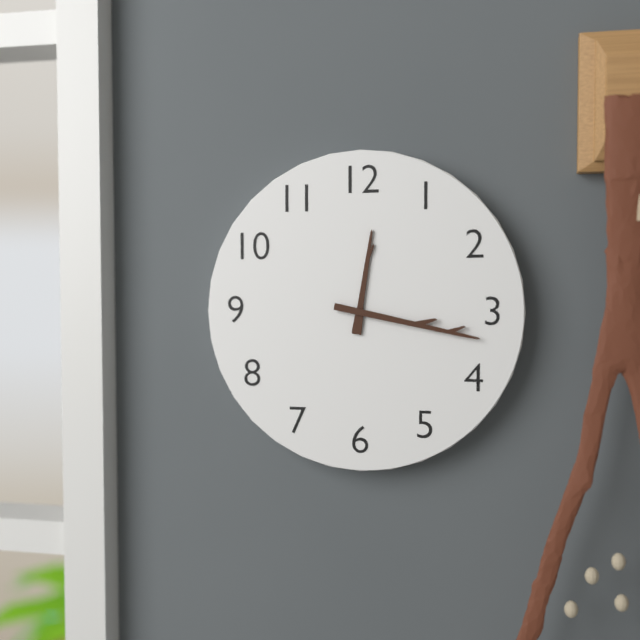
12.17
